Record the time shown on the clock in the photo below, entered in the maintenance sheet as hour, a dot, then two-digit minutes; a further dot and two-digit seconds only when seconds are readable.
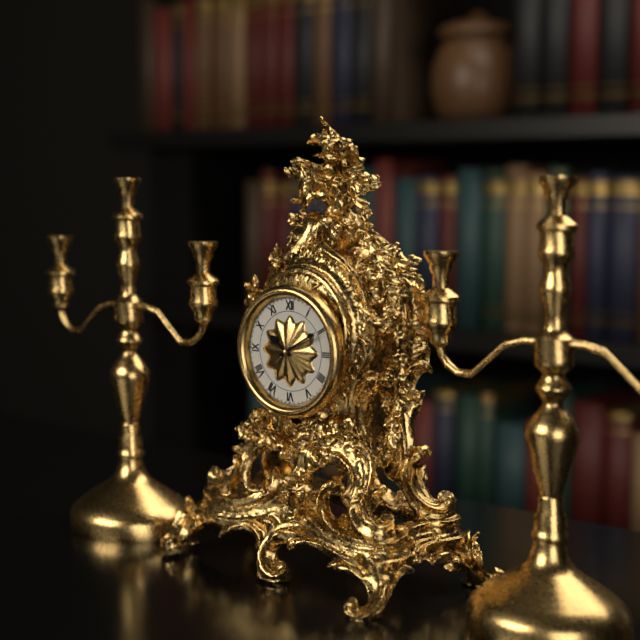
10.10
